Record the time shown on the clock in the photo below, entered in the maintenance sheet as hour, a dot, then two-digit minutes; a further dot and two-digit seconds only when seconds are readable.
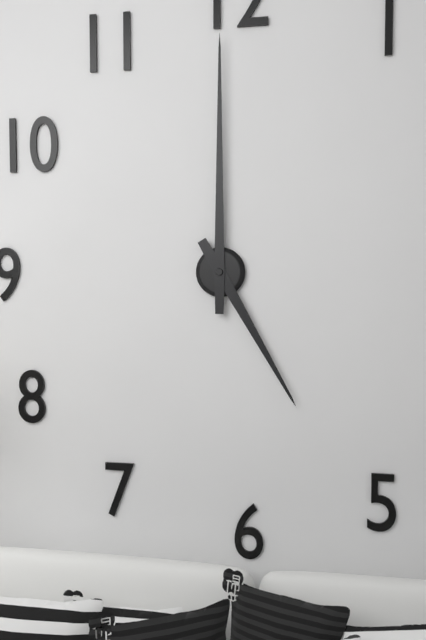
5.00
